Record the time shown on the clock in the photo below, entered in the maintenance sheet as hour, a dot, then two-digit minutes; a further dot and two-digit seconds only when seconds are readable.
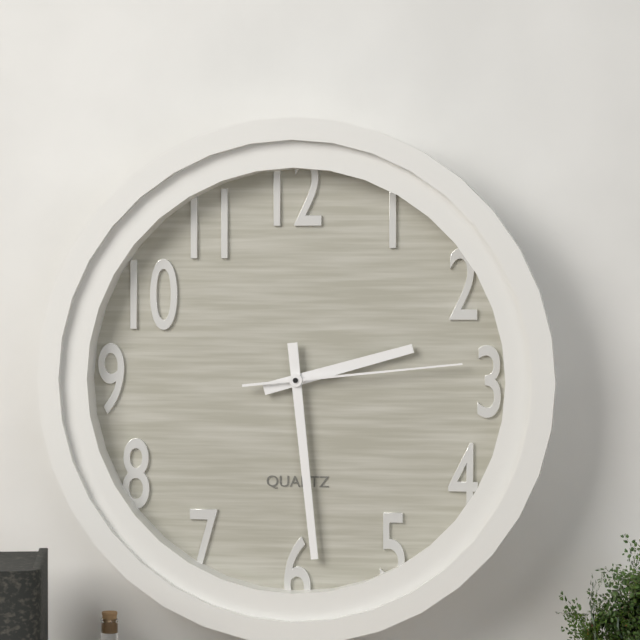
2.29.14
